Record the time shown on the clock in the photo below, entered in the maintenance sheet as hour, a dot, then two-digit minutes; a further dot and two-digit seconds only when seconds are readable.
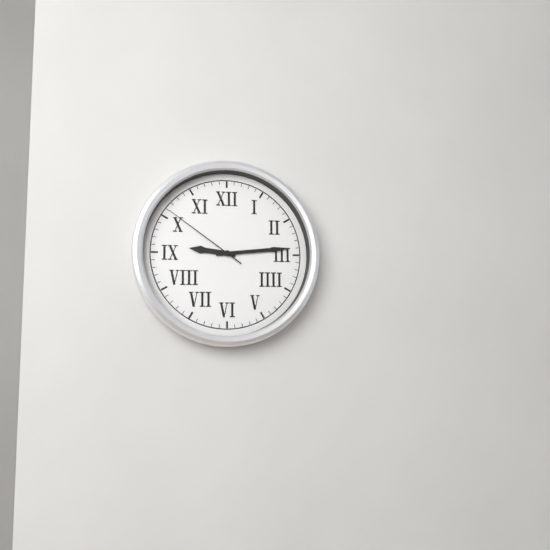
9.14.51
